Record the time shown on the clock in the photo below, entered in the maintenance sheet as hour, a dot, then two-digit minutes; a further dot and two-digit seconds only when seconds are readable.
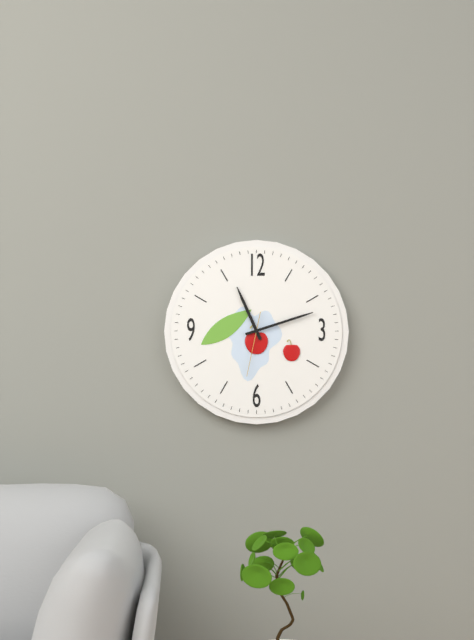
11.12.32
